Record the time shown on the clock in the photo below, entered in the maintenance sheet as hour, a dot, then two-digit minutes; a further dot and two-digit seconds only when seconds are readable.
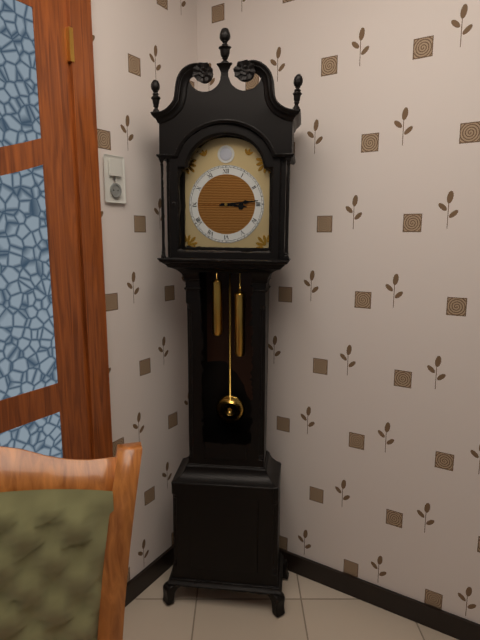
3.14
